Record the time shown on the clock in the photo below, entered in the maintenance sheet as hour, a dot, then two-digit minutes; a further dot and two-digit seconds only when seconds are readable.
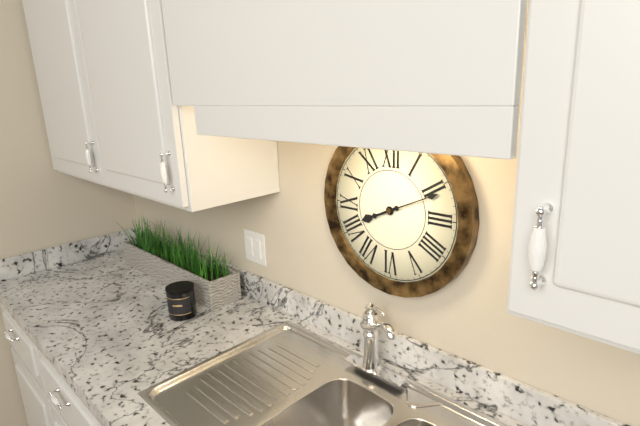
8.11
